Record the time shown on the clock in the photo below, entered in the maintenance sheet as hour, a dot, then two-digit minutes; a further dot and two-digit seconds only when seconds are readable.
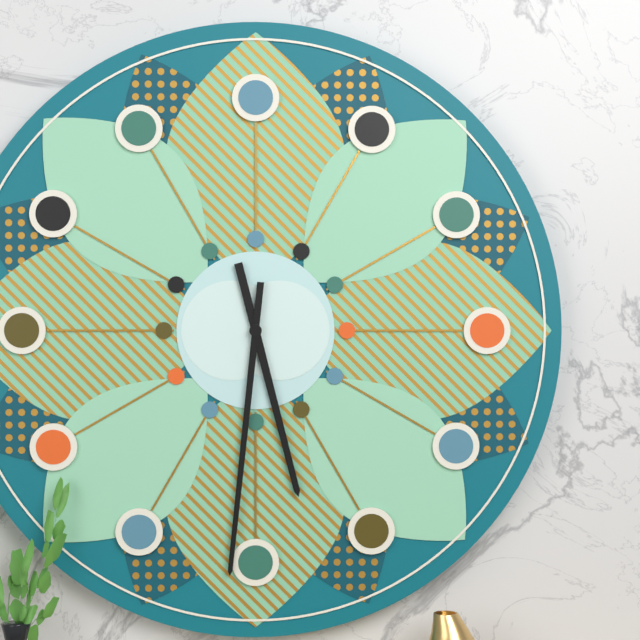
5.31
